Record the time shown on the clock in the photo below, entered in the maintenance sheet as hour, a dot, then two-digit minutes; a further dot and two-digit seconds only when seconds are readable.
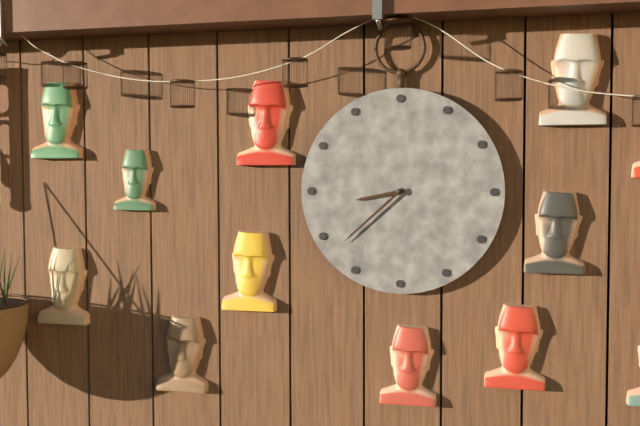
8.38
